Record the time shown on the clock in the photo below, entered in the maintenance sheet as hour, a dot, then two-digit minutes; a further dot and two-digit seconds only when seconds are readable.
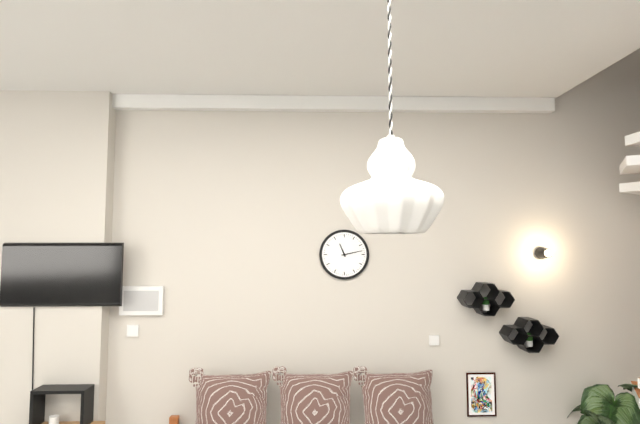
11.13
